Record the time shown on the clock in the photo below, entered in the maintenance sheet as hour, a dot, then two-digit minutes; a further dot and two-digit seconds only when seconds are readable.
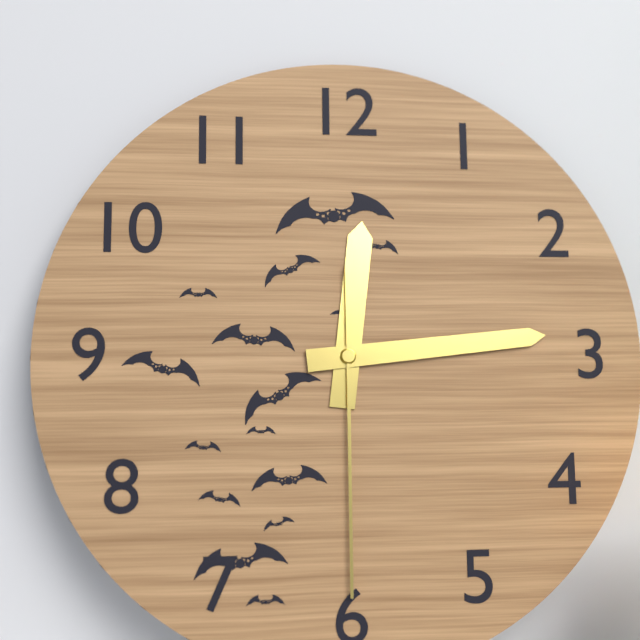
12.14.30
